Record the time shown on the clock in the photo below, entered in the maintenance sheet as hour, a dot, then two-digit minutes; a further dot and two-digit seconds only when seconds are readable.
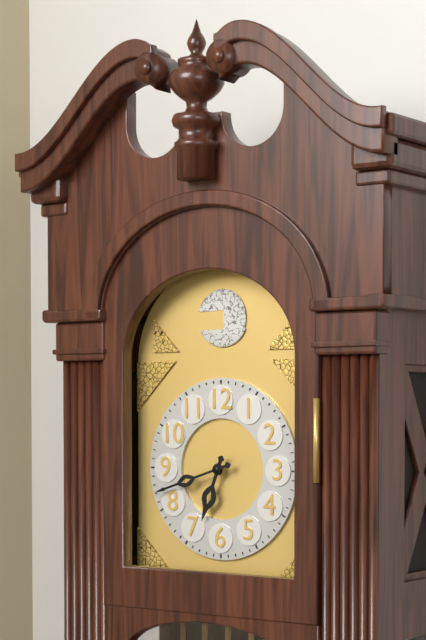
6.42
